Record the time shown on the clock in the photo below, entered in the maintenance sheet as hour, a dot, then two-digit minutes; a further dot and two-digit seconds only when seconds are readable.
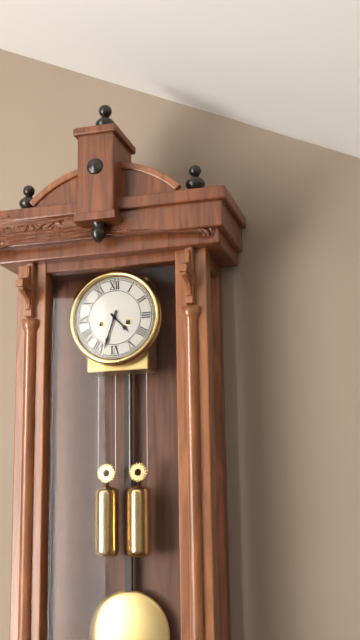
4.33
